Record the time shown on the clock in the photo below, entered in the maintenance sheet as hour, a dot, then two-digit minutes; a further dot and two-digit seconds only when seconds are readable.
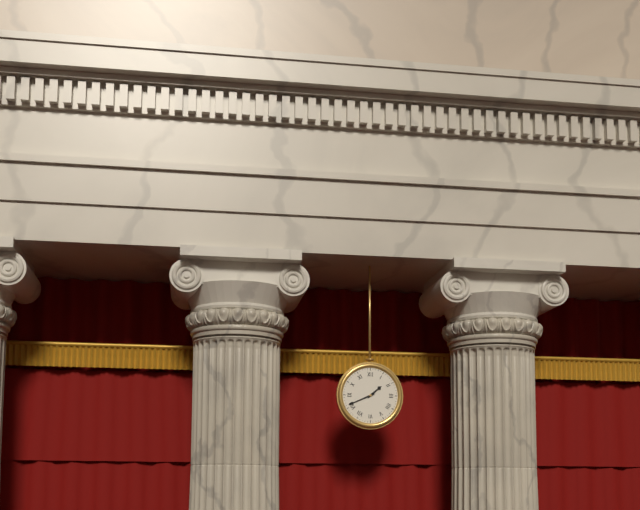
1.41
